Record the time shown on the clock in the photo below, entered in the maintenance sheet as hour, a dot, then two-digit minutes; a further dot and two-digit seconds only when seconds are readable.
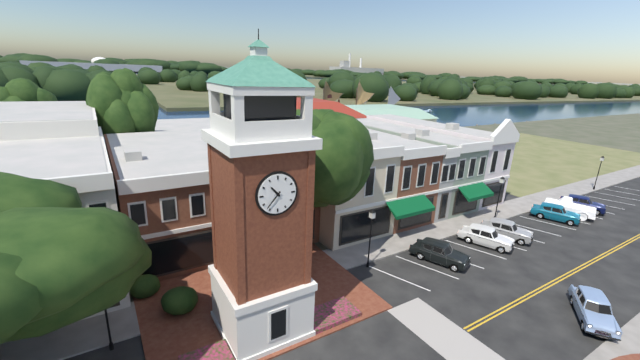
10.37
